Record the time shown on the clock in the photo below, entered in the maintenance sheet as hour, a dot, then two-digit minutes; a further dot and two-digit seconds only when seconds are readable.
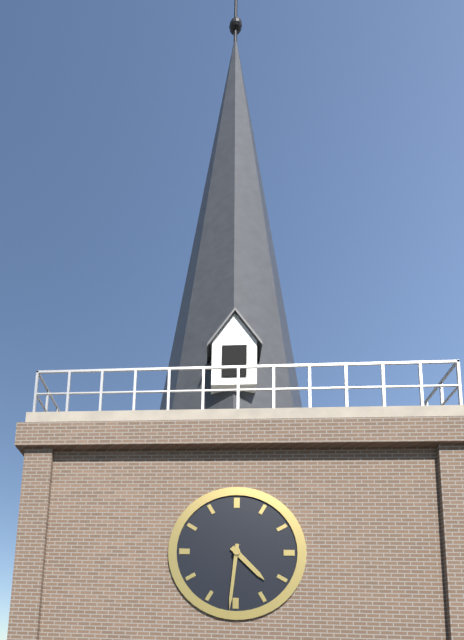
4.31
